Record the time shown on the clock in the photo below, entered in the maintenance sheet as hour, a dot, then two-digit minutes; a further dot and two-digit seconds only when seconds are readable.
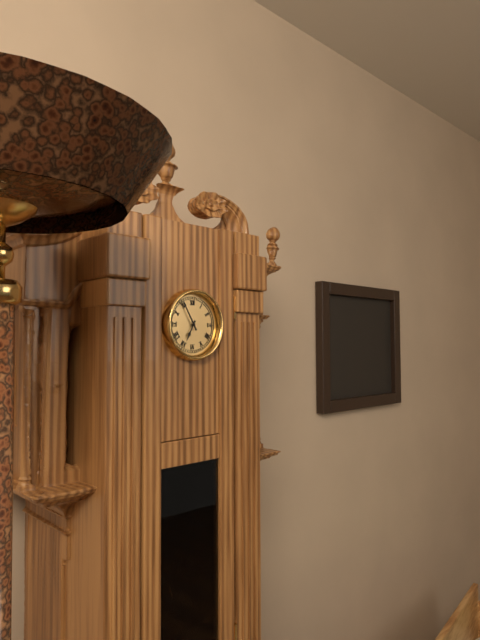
6.55
